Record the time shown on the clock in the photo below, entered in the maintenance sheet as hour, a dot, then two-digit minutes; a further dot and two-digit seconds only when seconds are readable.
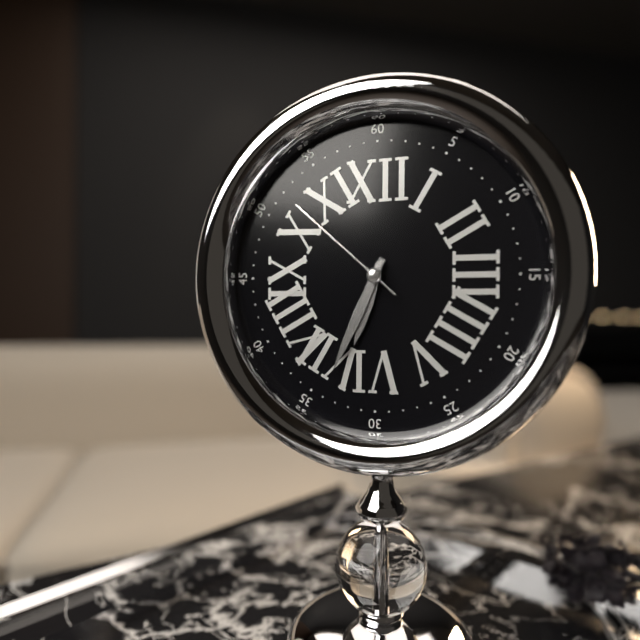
6.34.52
